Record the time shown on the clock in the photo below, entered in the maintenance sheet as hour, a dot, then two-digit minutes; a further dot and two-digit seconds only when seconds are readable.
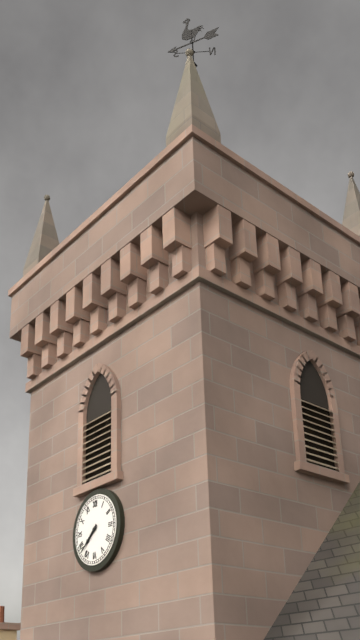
7.38
